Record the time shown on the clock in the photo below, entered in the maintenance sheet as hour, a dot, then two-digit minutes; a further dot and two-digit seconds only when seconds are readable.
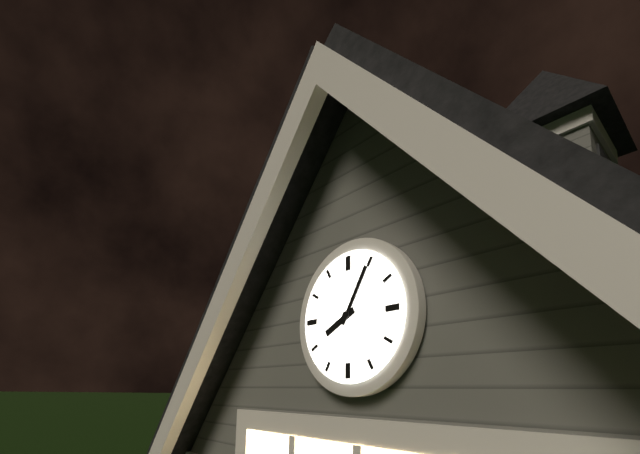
8.05
